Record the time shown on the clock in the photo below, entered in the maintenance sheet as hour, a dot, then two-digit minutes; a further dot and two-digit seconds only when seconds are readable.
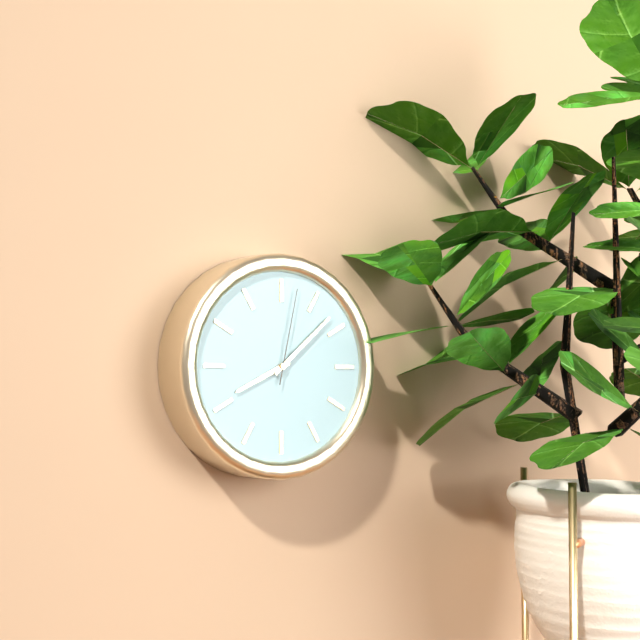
8.08.02
